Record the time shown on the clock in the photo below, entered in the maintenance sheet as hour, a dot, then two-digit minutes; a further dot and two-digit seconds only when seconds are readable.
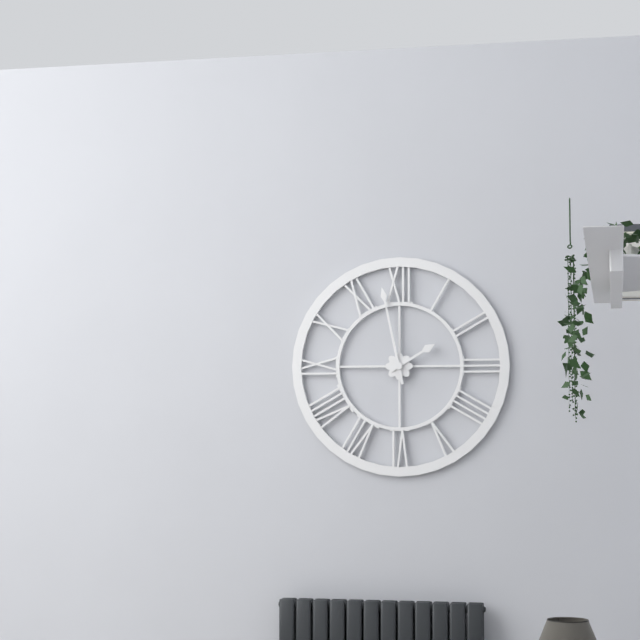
1.58
